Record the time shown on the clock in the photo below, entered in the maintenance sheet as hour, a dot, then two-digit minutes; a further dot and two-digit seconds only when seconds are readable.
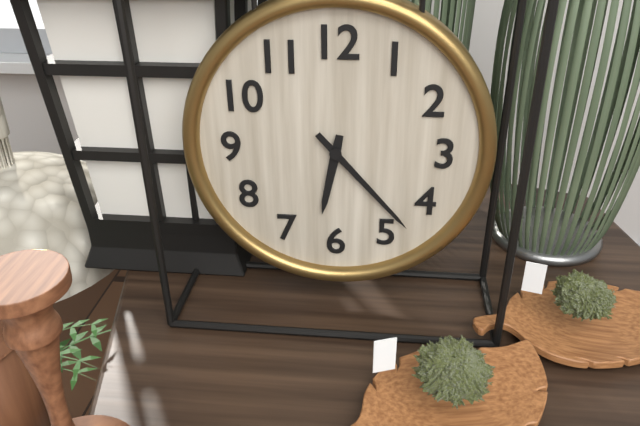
6.23
